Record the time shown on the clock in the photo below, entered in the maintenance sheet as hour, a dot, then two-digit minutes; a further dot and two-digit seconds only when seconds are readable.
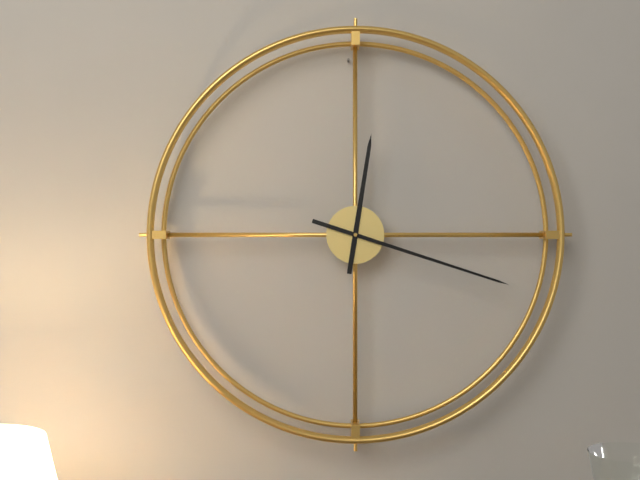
12.18
